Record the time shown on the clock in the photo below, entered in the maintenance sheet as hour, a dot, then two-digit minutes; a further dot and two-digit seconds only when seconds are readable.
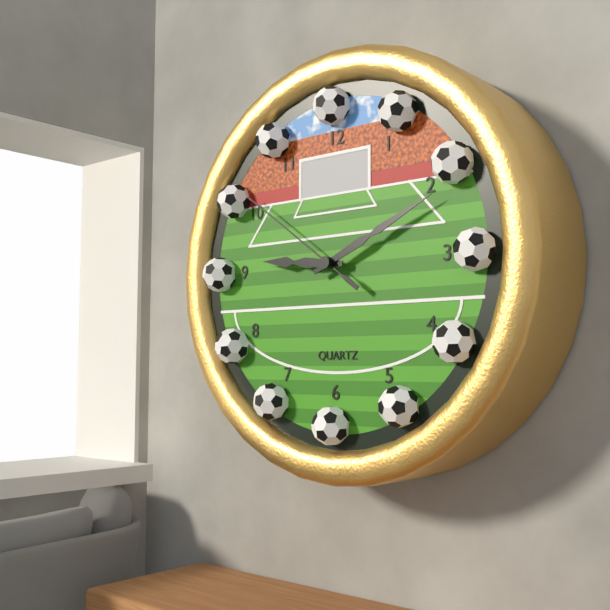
9.11.51
